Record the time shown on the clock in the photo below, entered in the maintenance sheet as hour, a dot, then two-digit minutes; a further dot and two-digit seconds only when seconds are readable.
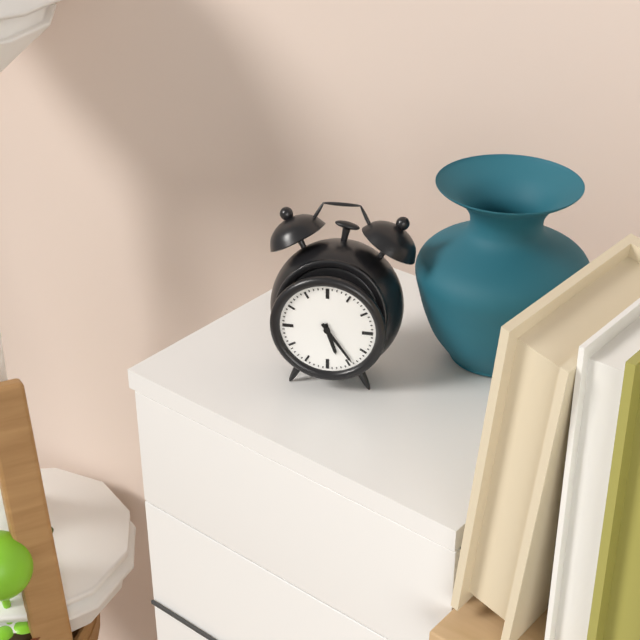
5.24
